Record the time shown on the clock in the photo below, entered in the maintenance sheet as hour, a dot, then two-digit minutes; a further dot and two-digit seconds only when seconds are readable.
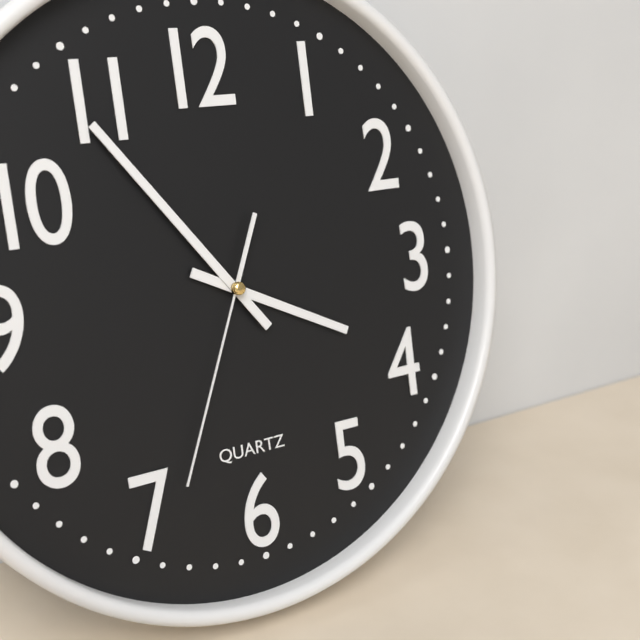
3.54.34
